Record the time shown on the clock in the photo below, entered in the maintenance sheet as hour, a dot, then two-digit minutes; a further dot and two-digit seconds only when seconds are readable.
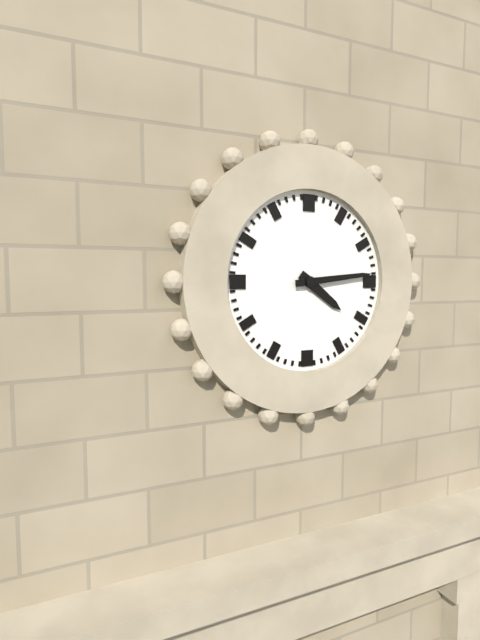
4.14
